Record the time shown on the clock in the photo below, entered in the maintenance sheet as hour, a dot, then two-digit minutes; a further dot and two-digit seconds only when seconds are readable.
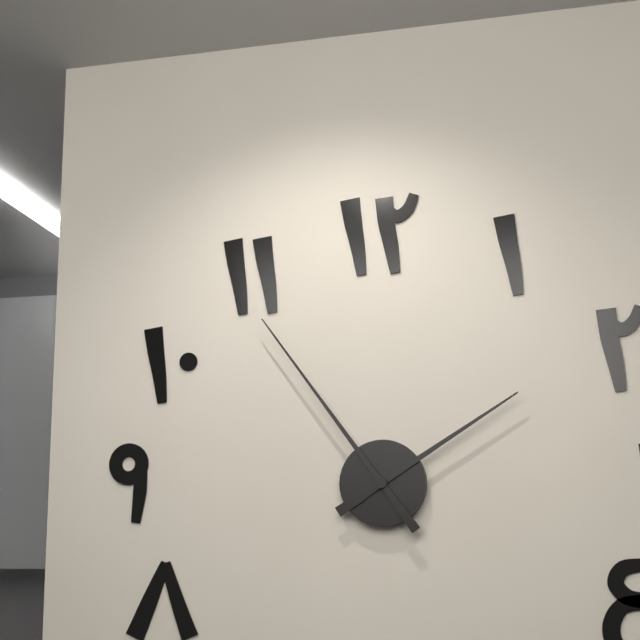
1.54
